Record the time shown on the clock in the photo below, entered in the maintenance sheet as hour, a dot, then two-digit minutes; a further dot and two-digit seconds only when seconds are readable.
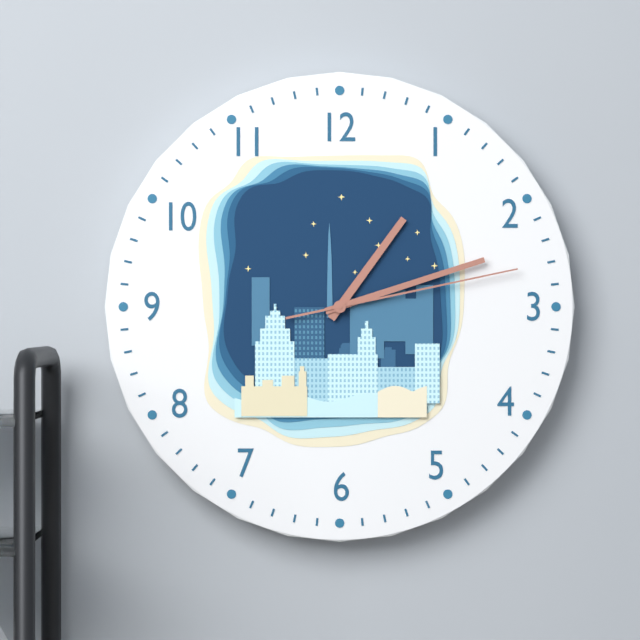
1.12.13
